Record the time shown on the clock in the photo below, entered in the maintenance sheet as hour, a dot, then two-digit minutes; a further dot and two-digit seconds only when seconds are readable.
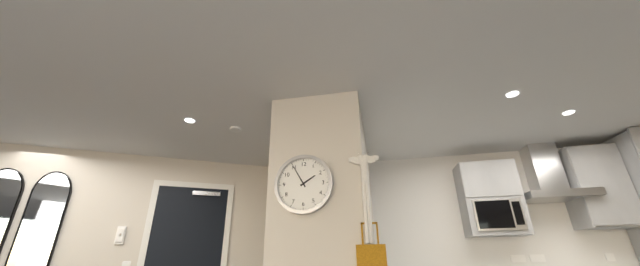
1.55
